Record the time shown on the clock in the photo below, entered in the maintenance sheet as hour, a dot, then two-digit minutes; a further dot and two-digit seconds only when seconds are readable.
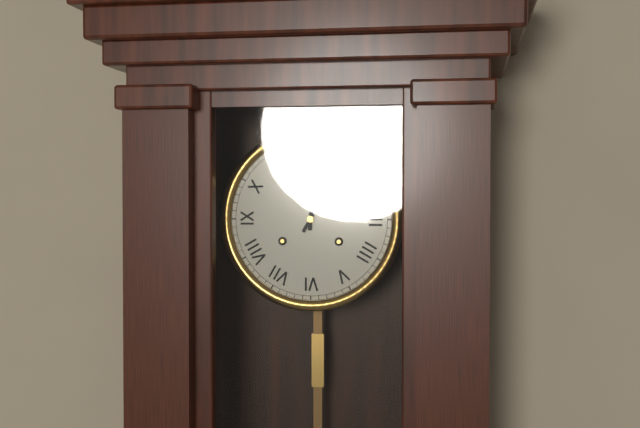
12.05
